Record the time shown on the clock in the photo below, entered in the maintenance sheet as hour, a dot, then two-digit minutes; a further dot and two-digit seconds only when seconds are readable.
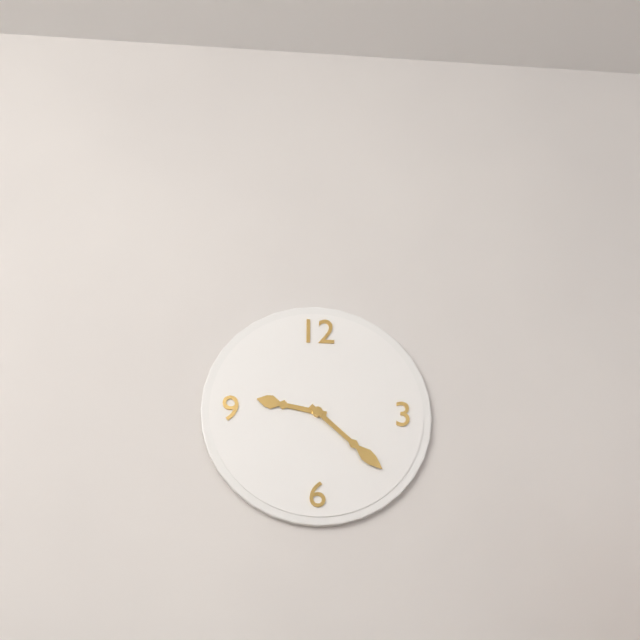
9.22
